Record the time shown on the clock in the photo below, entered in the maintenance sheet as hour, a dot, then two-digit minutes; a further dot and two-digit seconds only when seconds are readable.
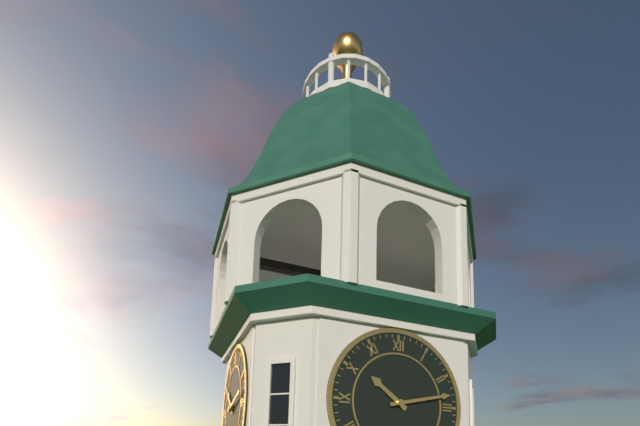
10.13
